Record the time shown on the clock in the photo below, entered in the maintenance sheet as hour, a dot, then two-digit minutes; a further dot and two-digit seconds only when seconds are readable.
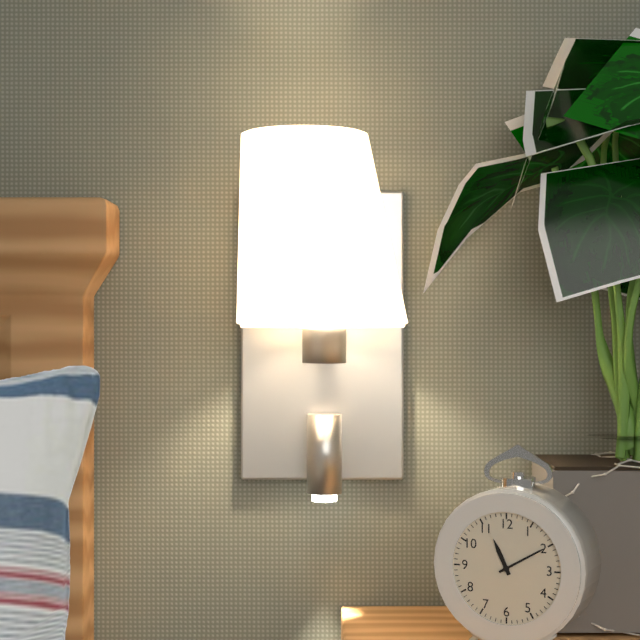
11.10
